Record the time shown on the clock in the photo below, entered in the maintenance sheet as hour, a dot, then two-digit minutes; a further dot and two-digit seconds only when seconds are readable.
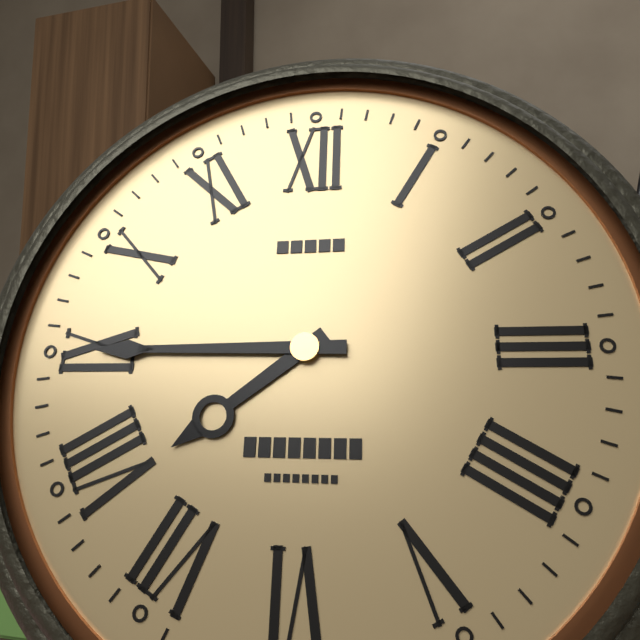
7.45
